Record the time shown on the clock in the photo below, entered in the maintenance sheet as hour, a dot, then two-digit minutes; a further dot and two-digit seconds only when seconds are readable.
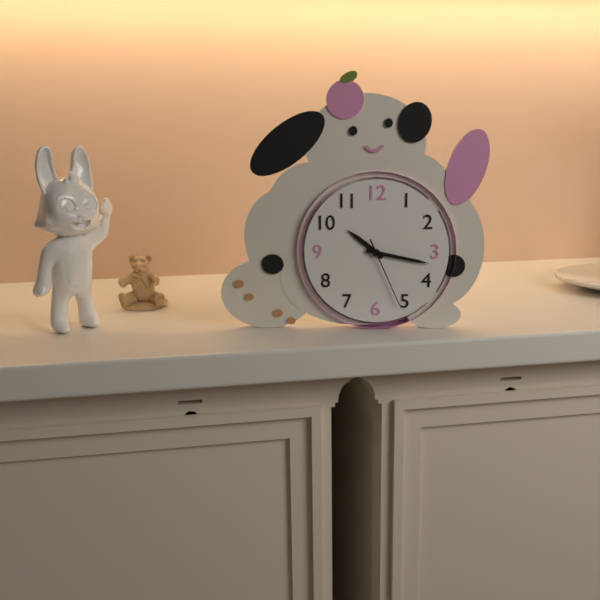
10.17.26
